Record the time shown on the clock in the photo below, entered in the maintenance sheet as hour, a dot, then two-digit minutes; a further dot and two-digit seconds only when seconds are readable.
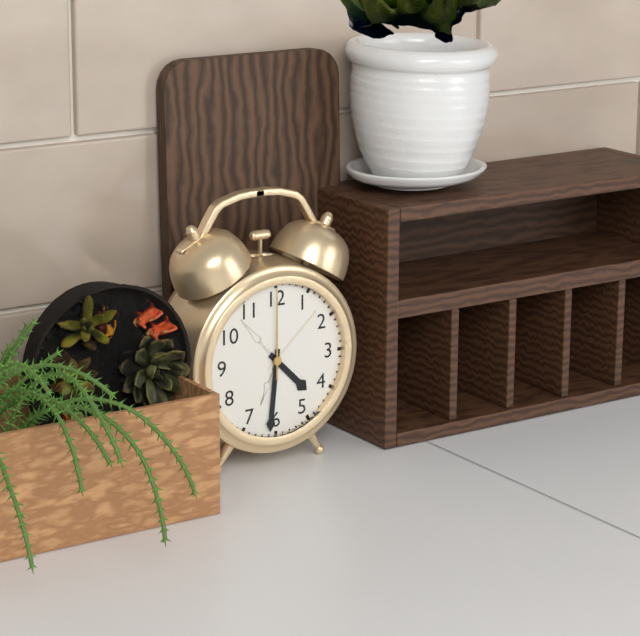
4.31.00
